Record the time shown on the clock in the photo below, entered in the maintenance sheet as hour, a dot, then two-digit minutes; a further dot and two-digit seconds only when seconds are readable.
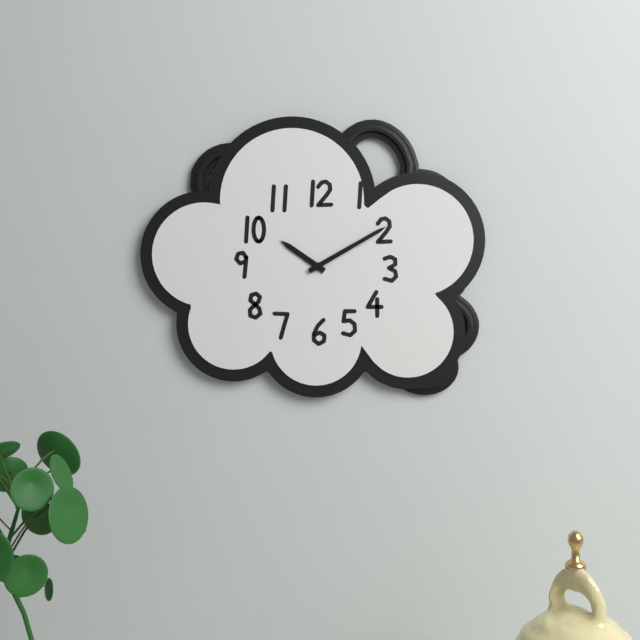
10.10
